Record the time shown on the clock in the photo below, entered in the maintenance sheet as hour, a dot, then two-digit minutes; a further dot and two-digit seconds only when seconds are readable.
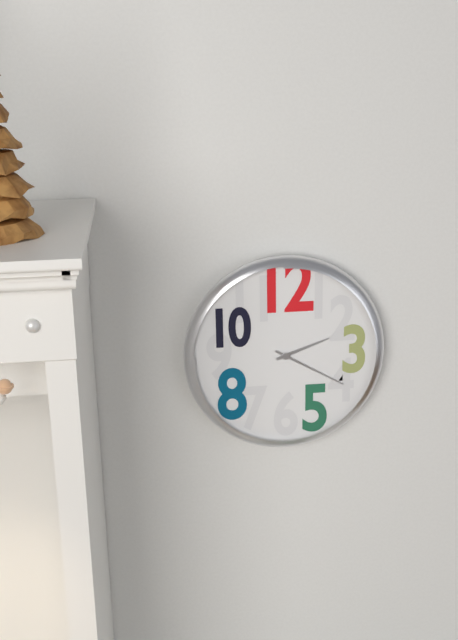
2.20
